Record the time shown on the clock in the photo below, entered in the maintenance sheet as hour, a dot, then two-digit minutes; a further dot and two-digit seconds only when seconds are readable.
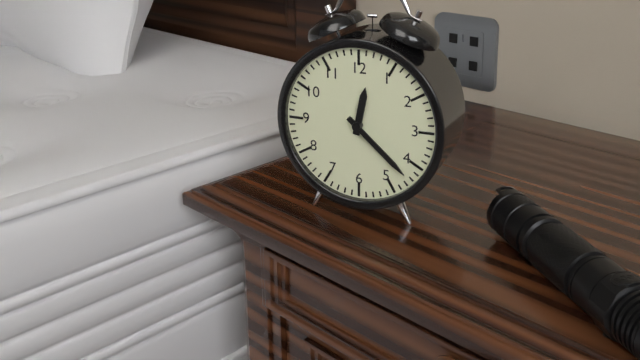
12.22
